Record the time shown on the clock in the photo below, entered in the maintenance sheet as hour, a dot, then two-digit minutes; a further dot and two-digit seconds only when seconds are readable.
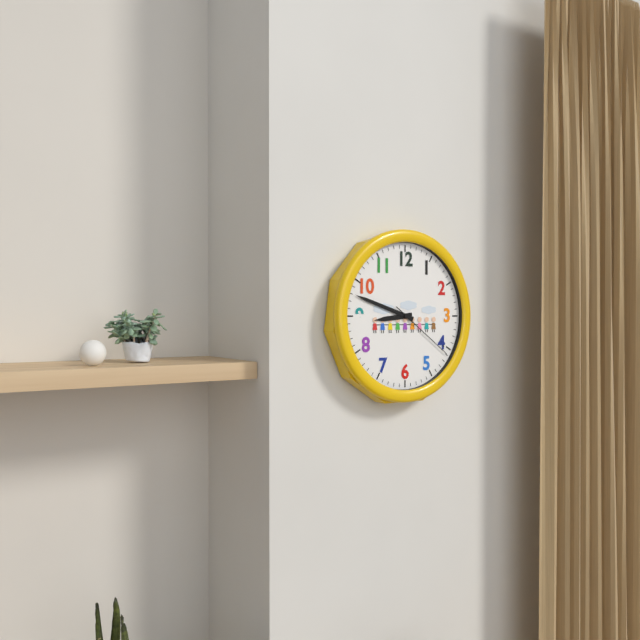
8.48.21
